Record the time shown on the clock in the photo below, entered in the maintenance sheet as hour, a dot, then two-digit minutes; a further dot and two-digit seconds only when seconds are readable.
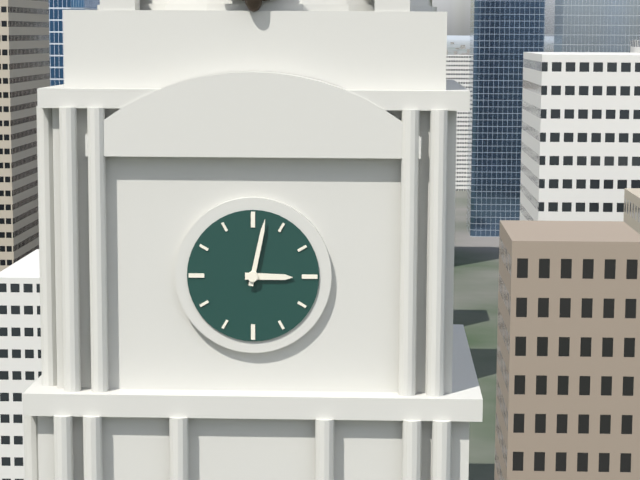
3.02
